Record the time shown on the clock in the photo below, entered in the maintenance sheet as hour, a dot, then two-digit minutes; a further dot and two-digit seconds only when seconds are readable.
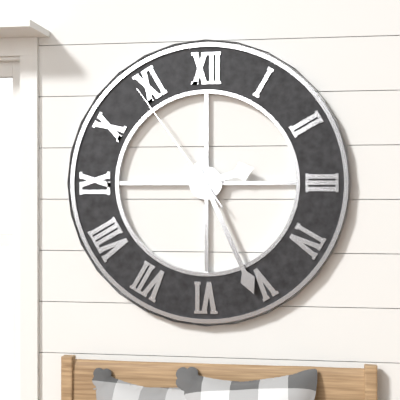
2.26.54
